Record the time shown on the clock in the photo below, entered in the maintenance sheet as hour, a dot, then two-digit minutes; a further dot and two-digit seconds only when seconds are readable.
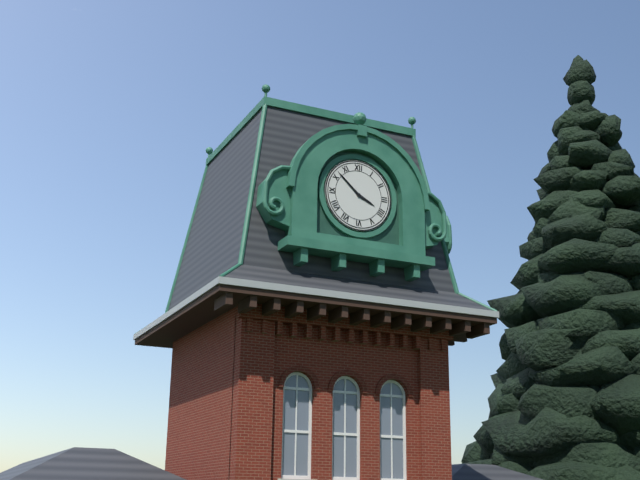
3.52
